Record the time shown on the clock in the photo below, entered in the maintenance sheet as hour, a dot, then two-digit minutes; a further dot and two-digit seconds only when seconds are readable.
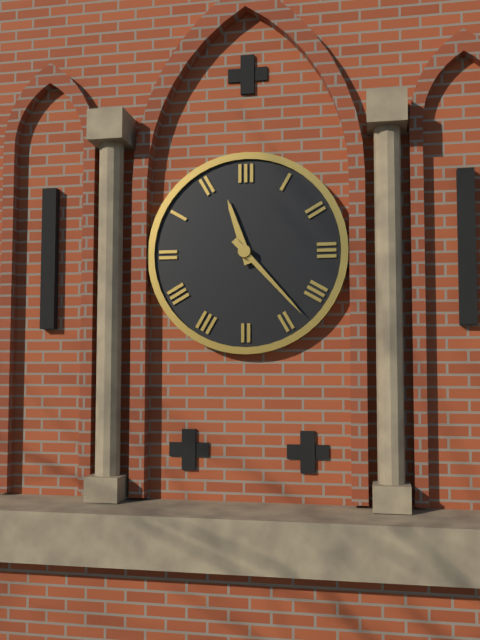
11.23
